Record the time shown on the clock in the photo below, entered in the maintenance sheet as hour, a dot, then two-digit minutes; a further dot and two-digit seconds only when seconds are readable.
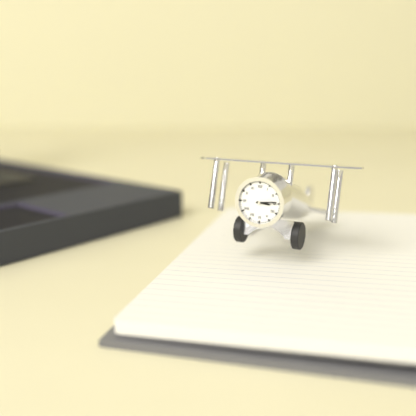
3.14
